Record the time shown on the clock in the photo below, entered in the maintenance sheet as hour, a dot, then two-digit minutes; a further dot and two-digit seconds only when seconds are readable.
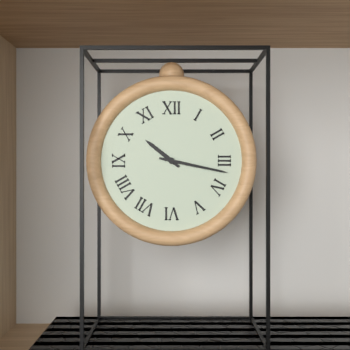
10.17
